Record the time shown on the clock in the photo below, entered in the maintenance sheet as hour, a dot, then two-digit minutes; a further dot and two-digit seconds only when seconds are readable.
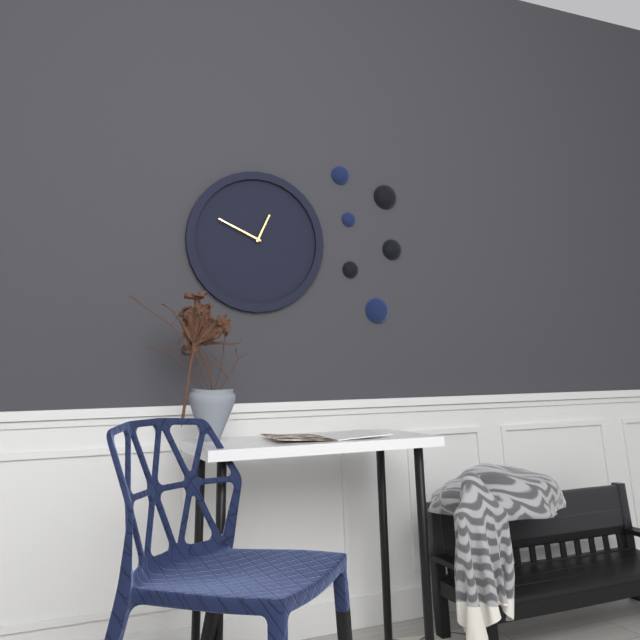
12.49
